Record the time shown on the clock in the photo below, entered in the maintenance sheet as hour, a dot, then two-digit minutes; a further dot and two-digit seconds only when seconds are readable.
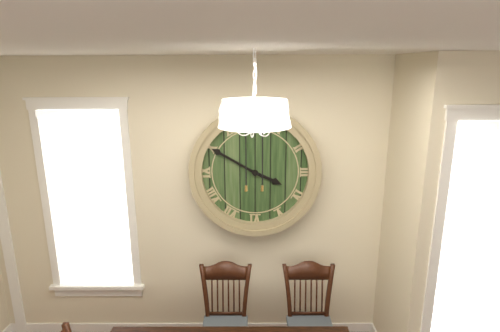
3.50
